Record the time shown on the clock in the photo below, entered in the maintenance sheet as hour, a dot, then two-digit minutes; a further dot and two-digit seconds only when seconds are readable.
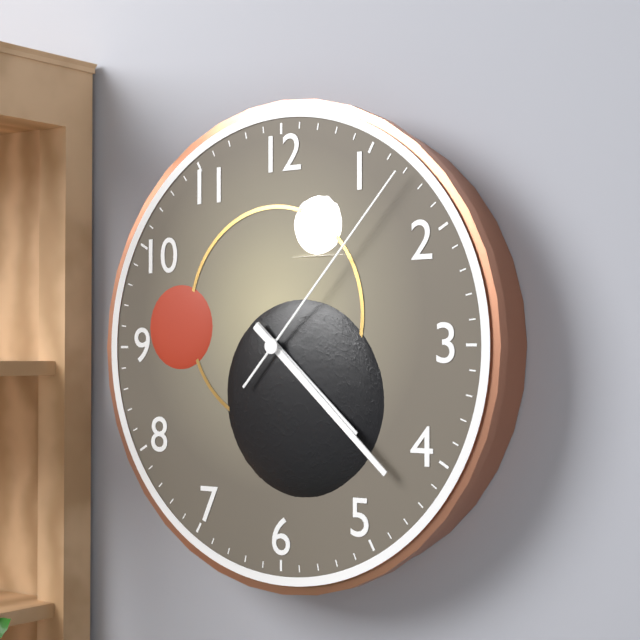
4.22.07
